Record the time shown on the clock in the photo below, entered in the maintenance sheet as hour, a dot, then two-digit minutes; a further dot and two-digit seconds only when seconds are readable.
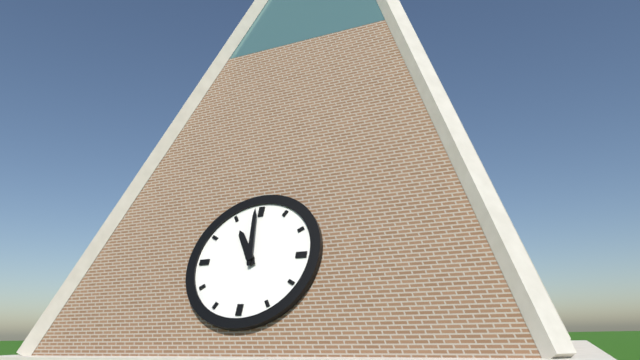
10.59
